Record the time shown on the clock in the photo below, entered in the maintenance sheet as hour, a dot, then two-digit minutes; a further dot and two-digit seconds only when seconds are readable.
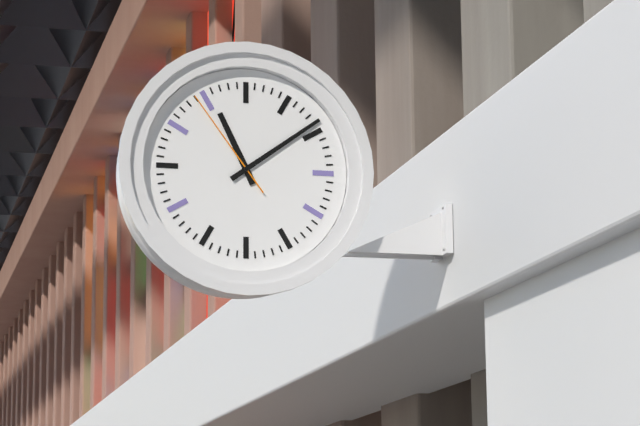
11.09.54
